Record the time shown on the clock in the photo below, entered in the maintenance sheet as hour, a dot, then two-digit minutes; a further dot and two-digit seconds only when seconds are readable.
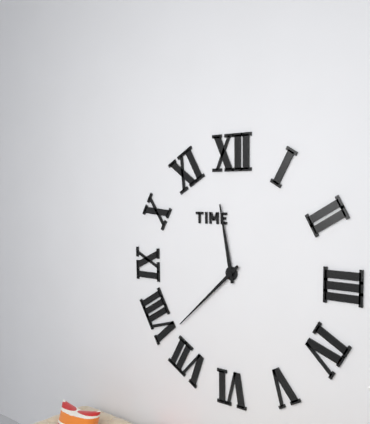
11.38
